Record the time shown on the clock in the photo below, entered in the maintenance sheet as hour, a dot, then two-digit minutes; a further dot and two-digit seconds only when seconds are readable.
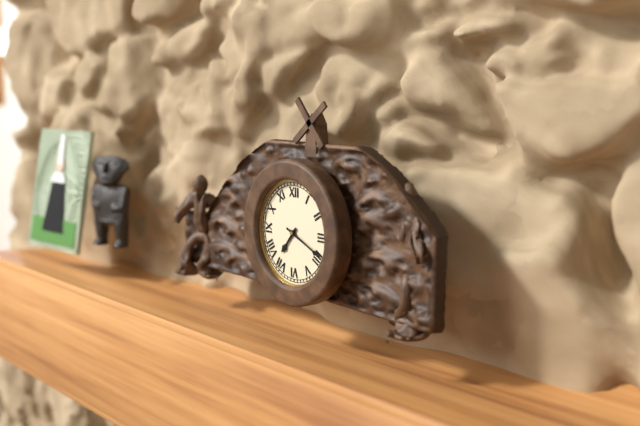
7.19
